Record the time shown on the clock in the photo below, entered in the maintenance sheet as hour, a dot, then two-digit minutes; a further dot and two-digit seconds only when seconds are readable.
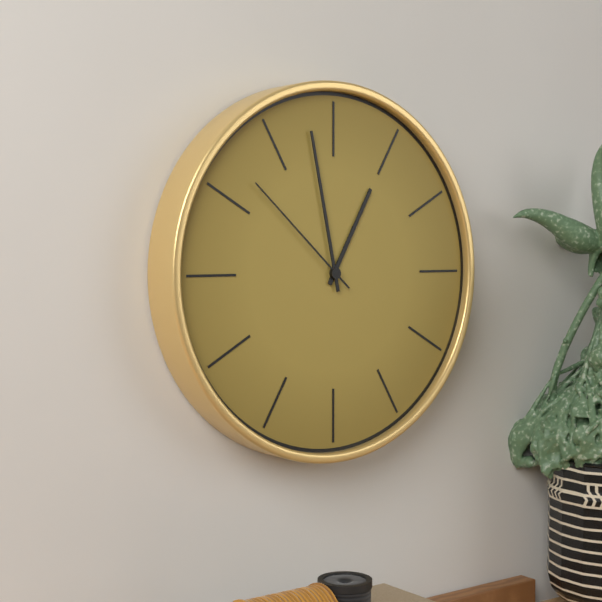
12.58.52
